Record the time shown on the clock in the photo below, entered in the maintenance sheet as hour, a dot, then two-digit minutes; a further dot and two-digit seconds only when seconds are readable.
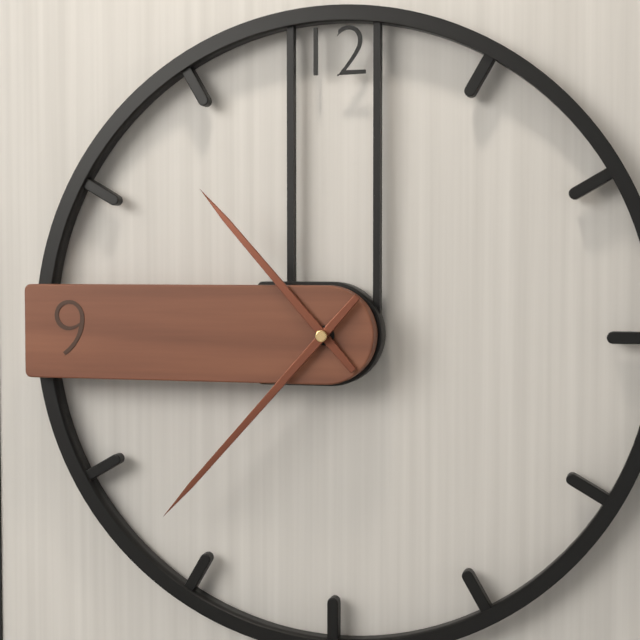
10.37
